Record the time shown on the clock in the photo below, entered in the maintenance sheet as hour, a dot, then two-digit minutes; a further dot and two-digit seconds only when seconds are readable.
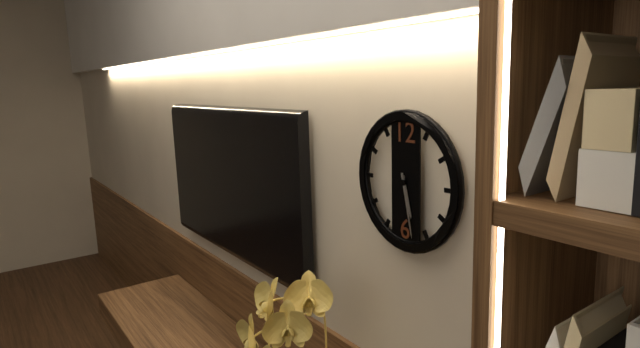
5.28
